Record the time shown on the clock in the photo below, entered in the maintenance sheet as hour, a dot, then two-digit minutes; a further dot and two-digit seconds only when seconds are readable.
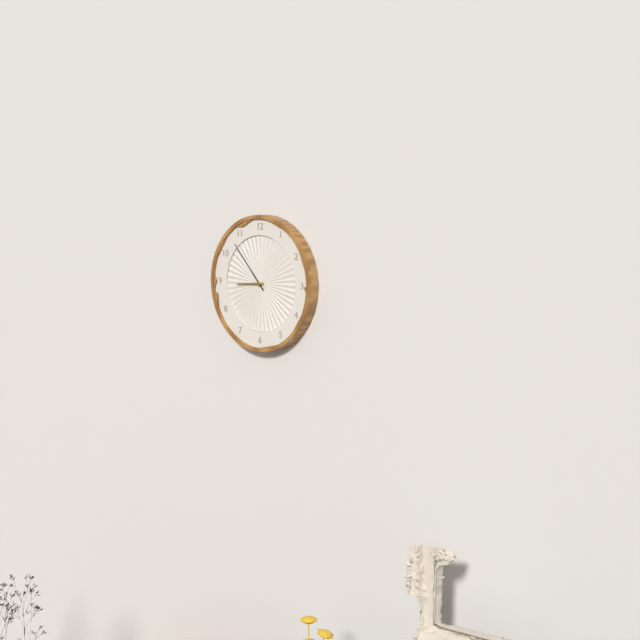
8.53
